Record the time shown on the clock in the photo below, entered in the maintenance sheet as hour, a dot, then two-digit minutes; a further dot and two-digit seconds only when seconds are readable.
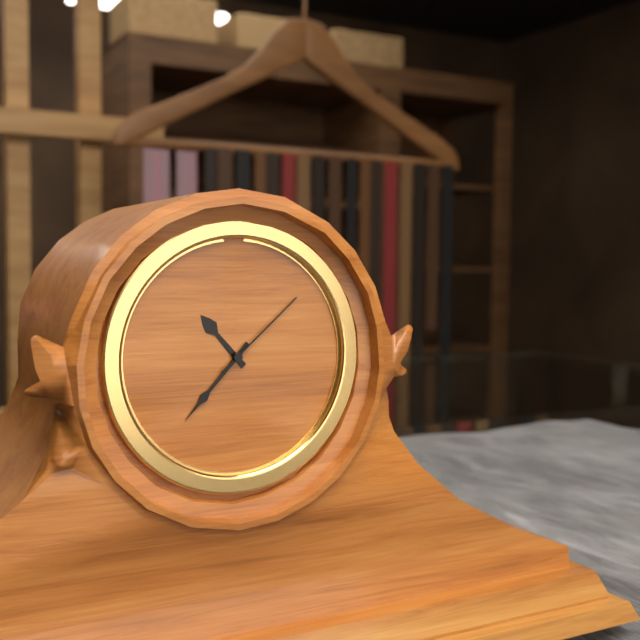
10.37.08
